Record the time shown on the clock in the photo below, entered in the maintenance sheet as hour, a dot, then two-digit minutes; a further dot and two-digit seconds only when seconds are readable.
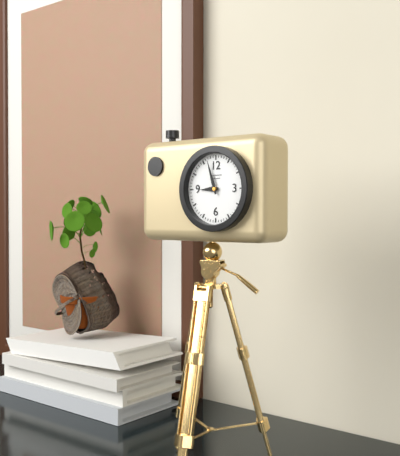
8.57
